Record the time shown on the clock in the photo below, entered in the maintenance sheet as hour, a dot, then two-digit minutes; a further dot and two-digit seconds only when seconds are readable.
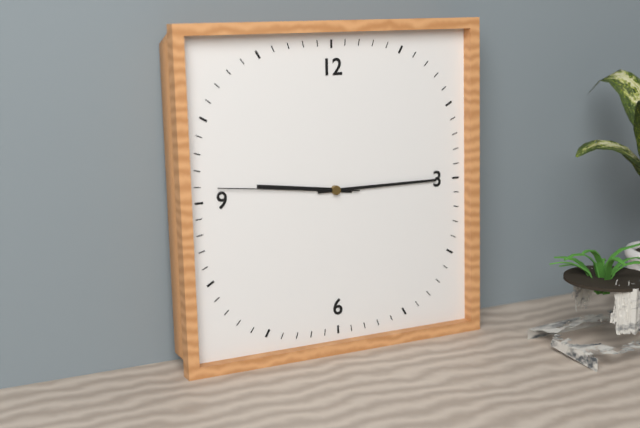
9.15.46
